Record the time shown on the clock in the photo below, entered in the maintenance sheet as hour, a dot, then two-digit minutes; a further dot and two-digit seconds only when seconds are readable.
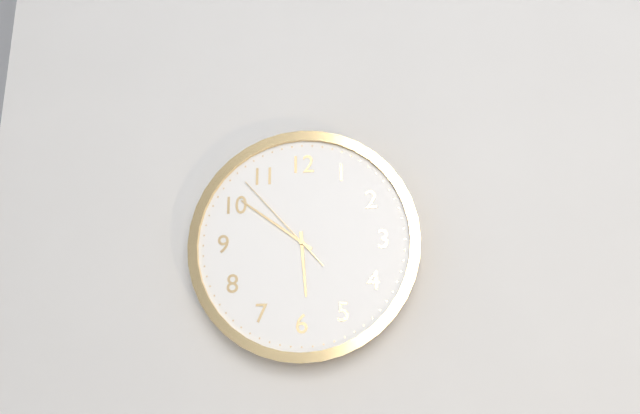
5.51.53
